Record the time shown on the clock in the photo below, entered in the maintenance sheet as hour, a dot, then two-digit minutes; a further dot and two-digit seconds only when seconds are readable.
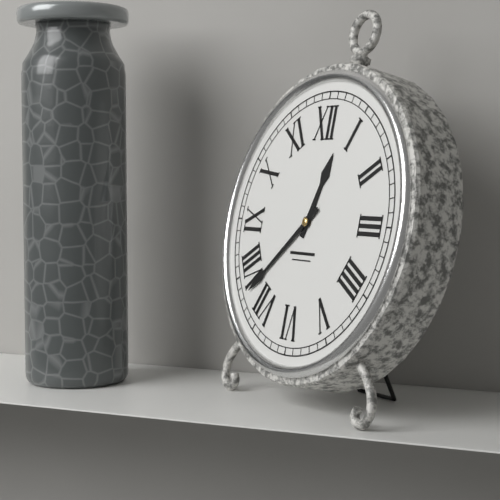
12.38
